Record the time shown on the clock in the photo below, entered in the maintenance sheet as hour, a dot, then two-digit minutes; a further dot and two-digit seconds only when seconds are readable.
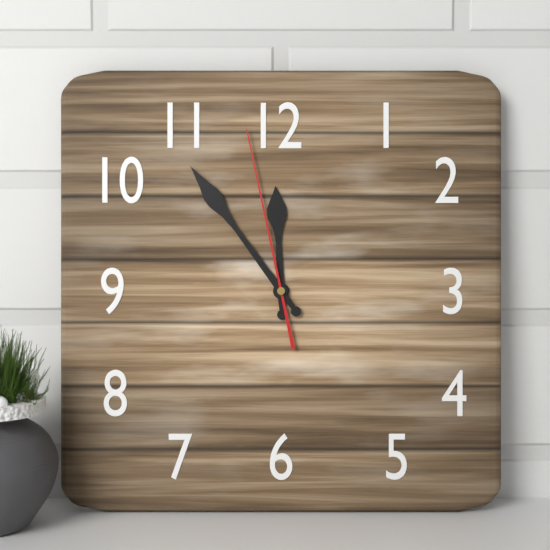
11.54.58
